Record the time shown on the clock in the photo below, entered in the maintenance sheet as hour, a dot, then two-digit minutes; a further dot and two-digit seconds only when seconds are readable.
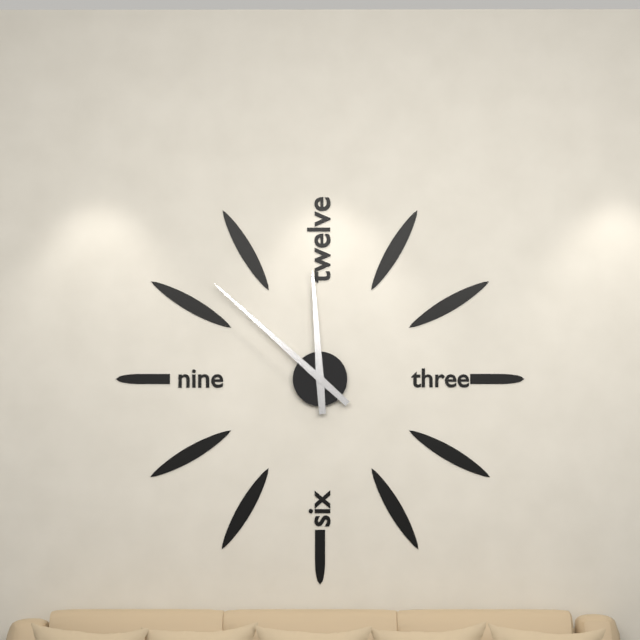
11.52
